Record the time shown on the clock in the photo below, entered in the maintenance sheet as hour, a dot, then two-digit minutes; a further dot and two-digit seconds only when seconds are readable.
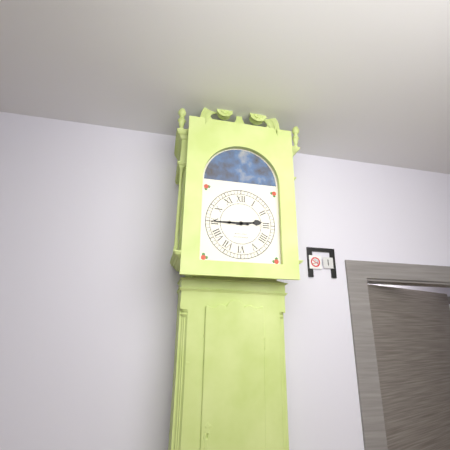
2.45
